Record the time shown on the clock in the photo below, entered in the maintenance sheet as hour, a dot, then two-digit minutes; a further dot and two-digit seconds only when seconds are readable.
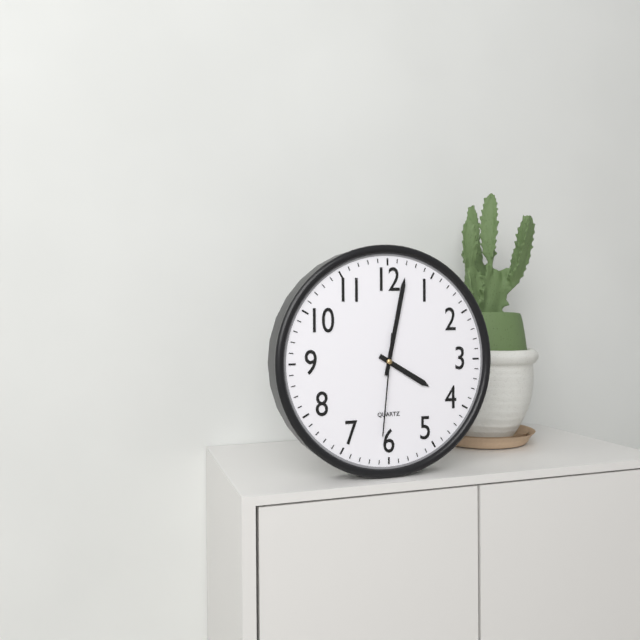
4.02.31
